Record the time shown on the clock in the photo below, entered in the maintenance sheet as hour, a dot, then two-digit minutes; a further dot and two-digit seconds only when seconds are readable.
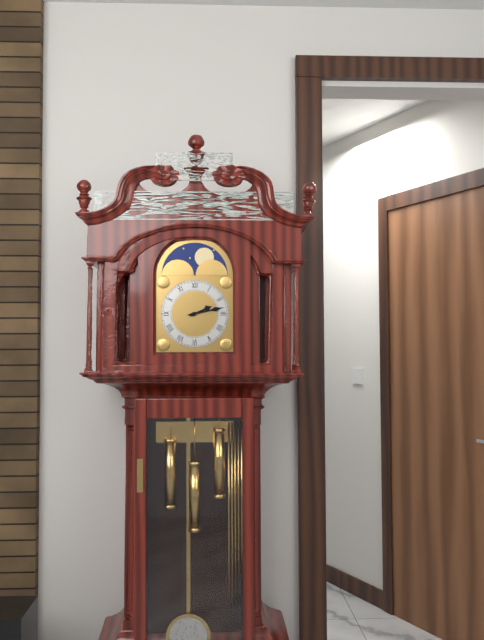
2.13
